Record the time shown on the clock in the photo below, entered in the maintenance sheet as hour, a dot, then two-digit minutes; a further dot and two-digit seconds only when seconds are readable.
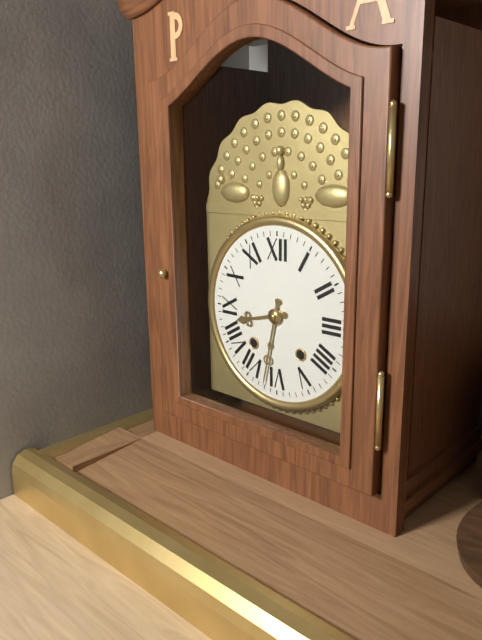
8.32
